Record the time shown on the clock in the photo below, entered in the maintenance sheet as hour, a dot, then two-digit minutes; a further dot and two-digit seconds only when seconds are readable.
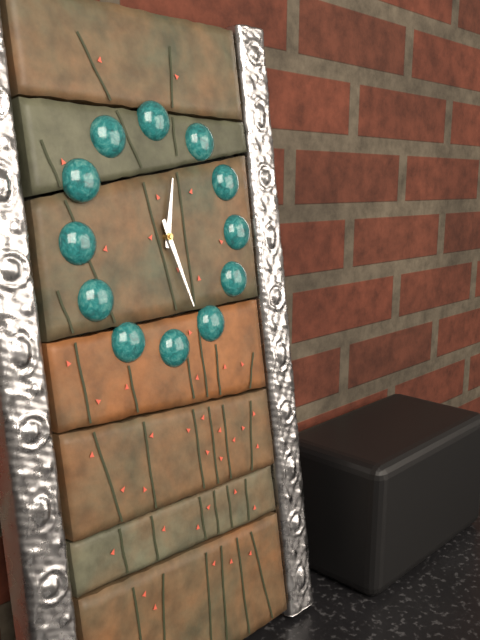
12.27
